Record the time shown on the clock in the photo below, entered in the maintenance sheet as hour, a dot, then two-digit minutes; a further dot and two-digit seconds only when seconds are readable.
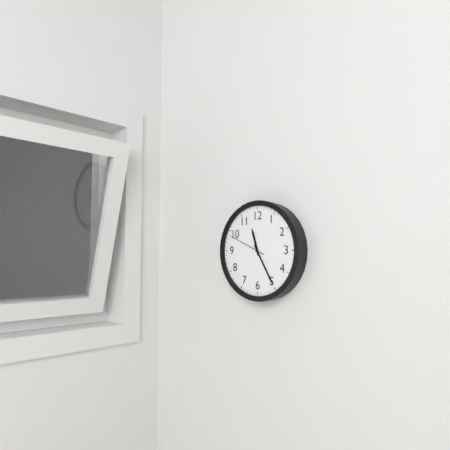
11.25
